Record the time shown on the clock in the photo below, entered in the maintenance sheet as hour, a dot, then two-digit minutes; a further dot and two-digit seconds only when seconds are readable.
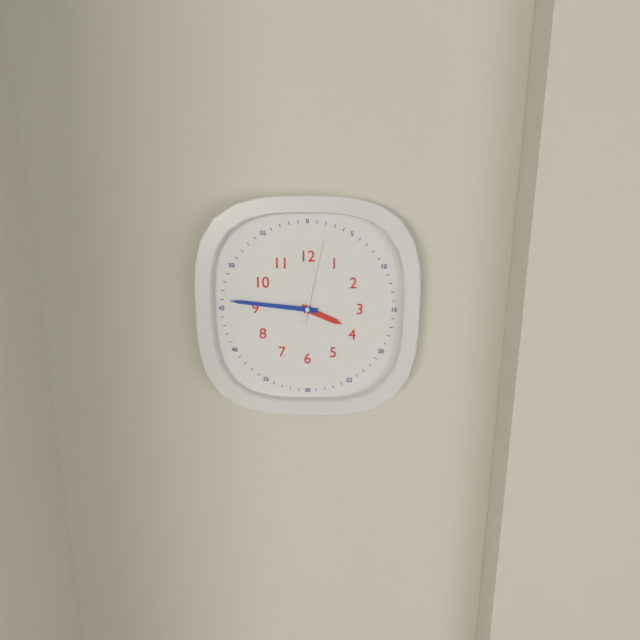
3.46.02
